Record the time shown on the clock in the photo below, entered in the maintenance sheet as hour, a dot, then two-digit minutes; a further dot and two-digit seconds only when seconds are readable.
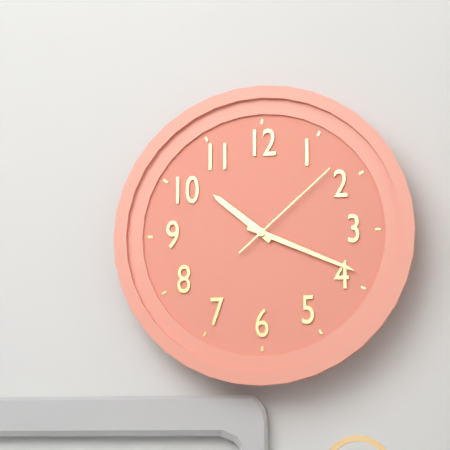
10.19.08
